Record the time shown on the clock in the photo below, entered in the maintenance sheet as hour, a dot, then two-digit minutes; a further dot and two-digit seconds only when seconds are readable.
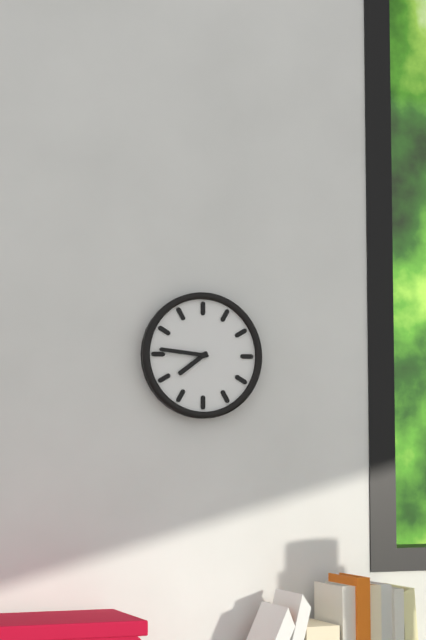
7.46
